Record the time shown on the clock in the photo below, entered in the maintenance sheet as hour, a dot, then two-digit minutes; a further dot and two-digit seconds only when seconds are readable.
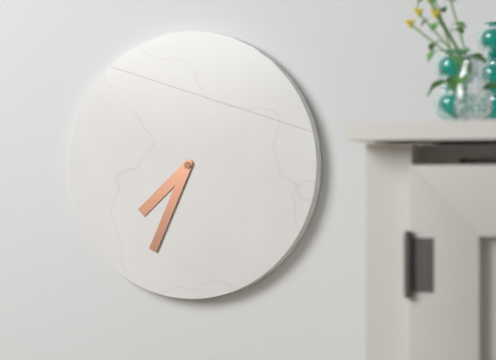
7.34
